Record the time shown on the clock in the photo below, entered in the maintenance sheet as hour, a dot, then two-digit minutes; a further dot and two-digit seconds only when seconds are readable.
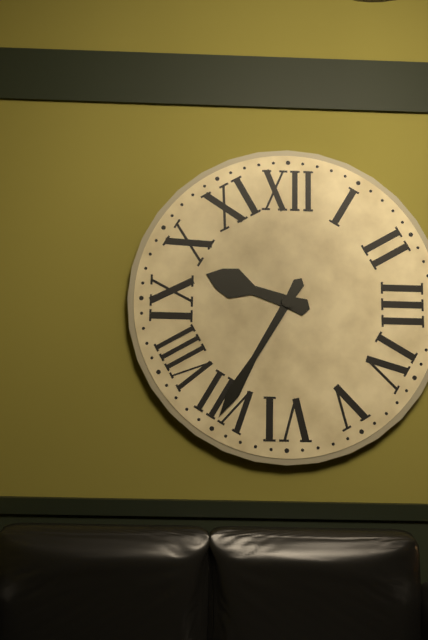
9.35
